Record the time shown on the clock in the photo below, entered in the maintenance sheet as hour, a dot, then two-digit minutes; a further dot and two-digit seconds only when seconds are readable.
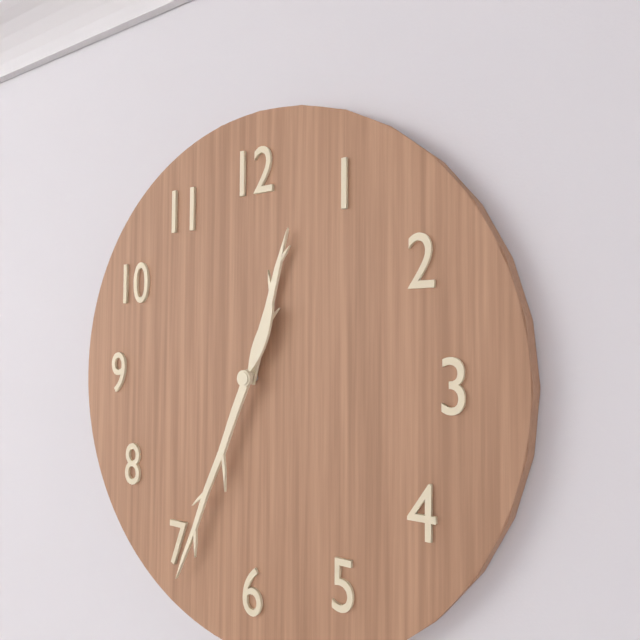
12.34
